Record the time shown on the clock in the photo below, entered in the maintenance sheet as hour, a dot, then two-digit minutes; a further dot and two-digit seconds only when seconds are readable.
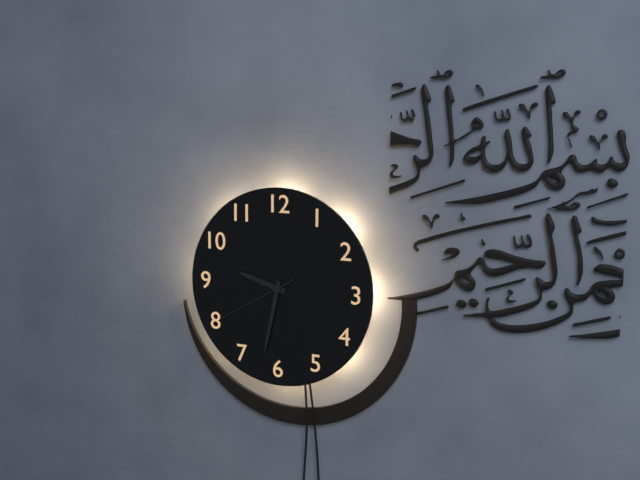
9.32.40
